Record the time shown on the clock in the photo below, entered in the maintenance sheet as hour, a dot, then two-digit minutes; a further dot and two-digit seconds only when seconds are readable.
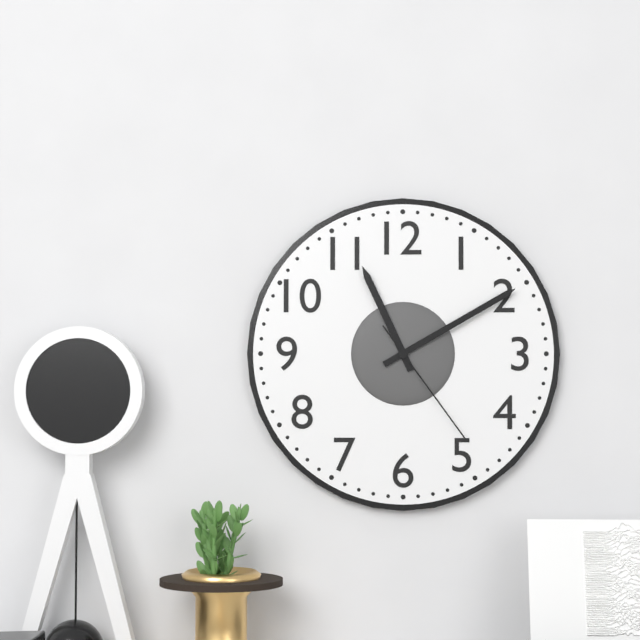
11.10.24
